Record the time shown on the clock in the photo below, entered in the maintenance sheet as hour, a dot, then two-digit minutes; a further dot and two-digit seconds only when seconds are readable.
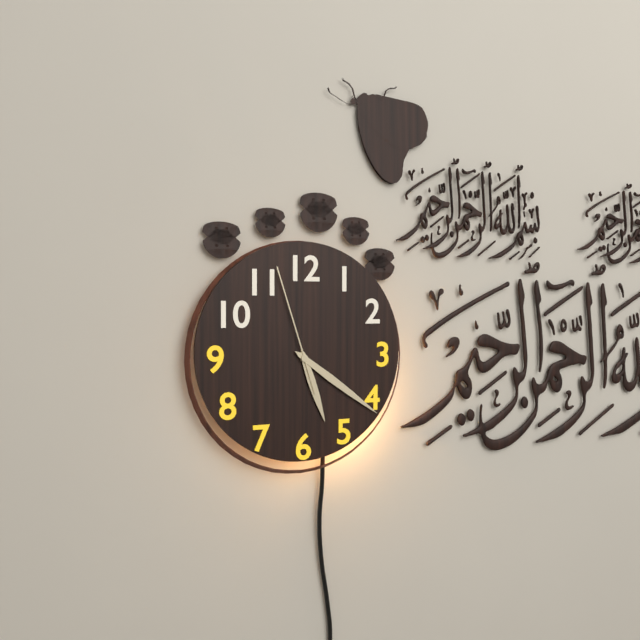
5.21.57
